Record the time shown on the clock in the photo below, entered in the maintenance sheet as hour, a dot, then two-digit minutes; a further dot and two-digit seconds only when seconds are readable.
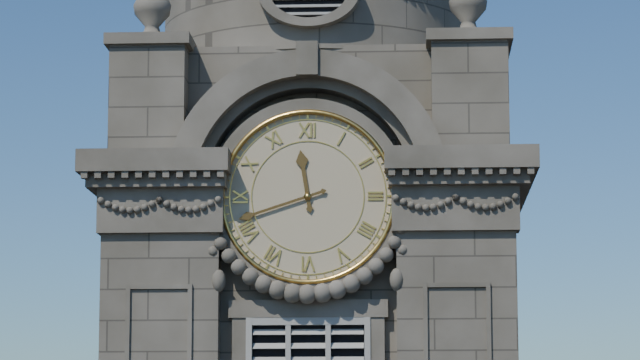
11.42
